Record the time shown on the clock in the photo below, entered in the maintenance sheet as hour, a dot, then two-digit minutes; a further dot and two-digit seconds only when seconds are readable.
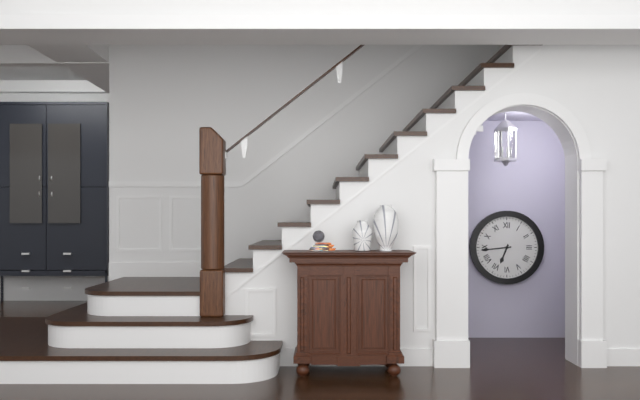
6.44
